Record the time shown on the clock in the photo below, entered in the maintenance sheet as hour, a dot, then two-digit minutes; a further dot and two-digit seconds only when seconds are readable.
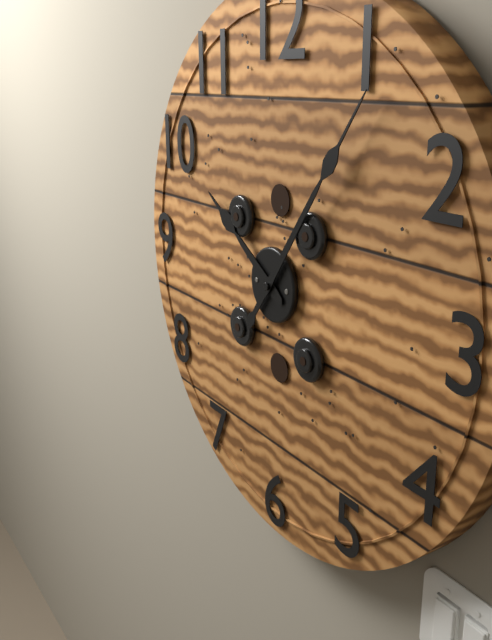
10.06
